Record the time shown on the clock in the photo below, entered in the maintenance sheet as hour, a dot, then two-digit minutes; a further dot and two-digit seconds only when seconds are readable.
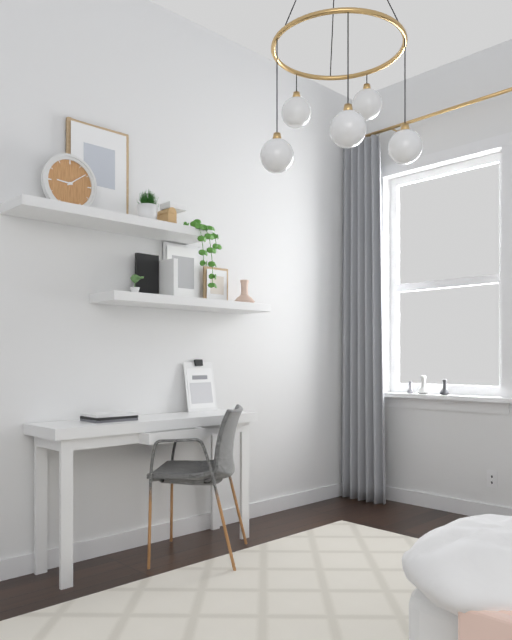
9.09
